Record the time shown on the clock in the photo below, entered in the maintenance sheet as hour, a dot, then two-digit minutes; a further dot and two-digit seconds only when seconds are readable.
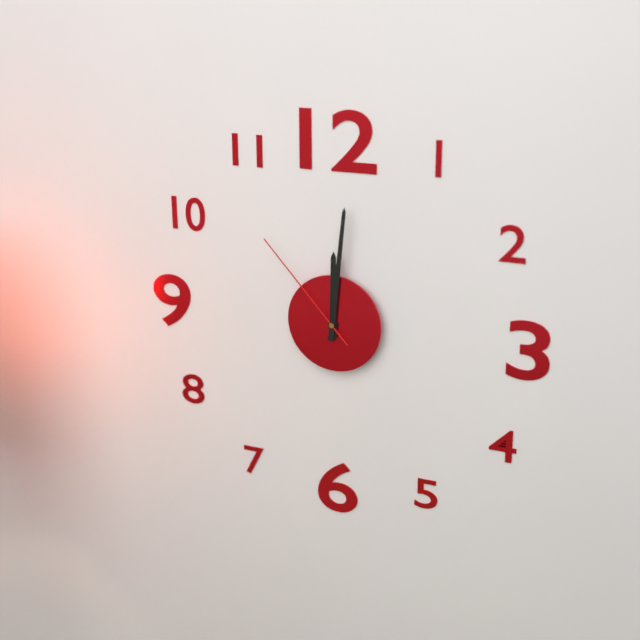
12.01.53
